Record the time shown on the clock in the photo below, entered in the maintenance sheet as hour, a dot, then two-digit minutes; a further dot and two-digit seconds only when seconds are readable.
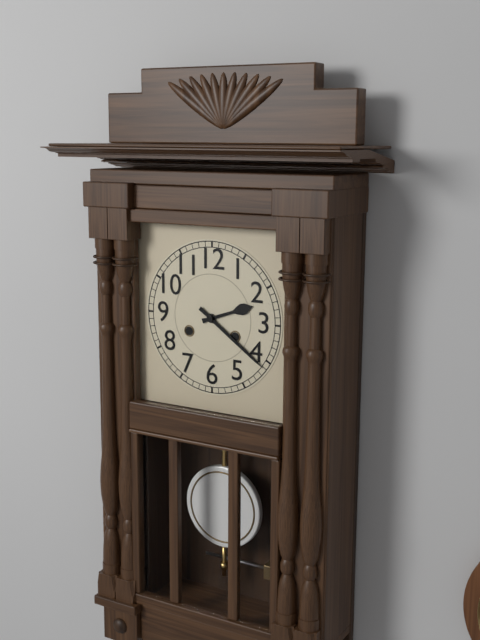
2.21
